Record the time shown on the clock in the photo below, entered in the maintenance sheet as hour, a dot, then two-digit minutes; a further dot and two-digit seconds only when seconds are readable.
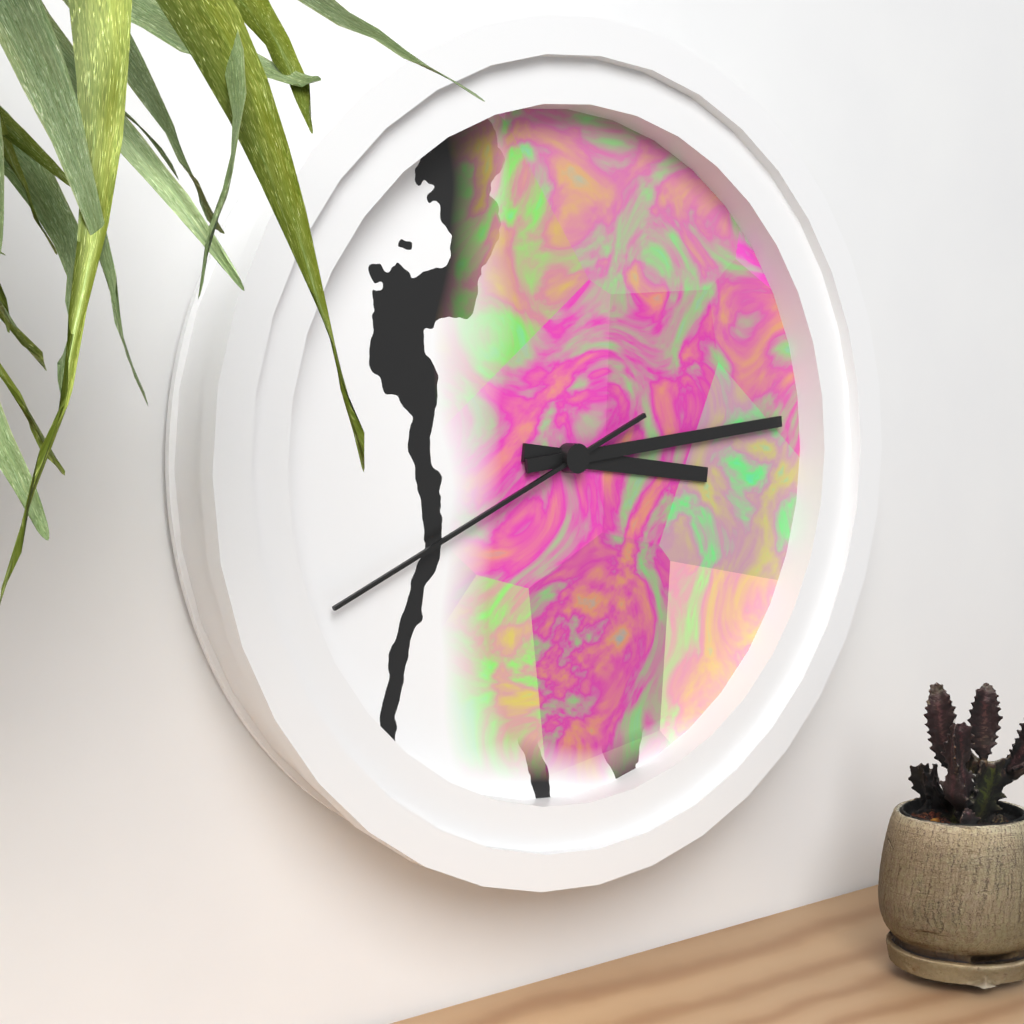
3.14.41
